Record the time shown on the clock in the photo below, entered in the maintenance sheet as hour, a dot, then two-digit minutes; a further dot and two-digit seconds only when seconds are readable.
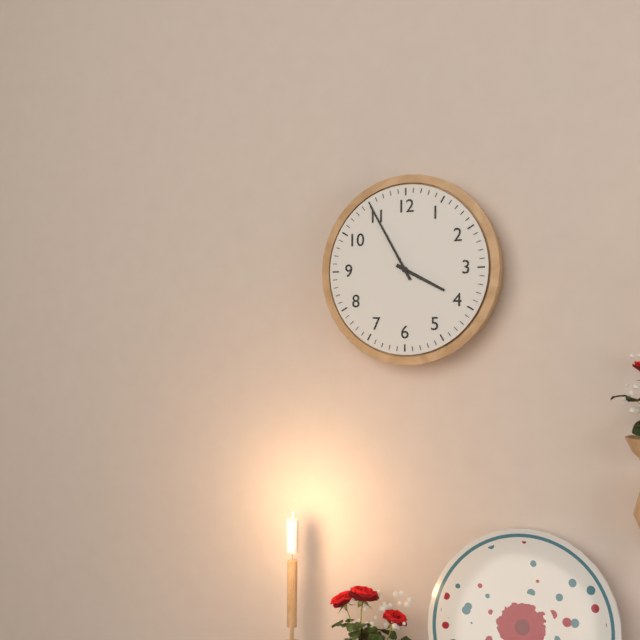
3.55
